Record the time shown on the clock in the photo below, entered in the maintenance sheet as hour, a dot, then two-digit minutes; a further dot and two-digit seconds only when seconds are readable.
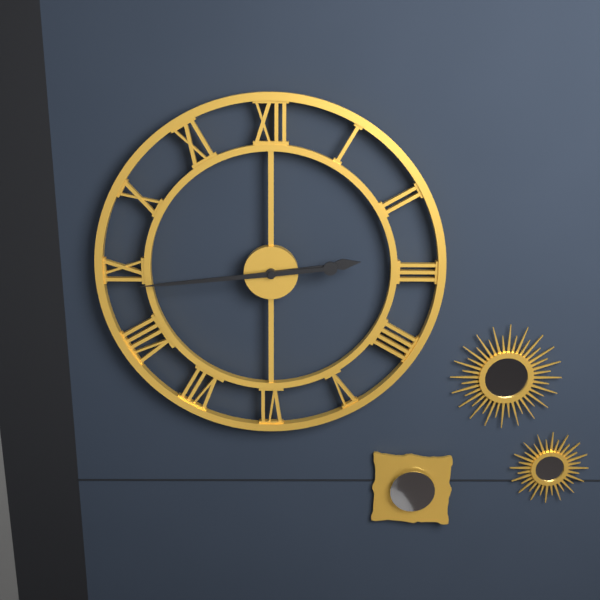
2.44
